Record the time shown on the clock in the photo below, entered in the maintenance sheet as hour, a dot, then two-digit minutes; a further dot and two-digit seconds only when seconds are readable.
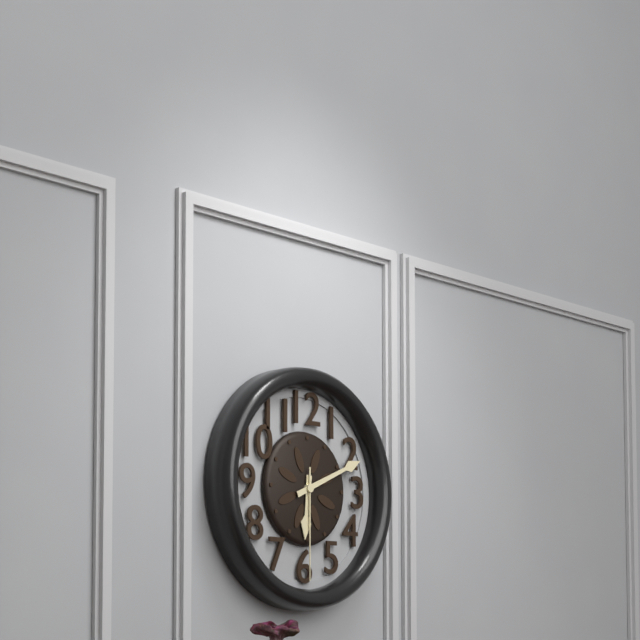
6.11.30
